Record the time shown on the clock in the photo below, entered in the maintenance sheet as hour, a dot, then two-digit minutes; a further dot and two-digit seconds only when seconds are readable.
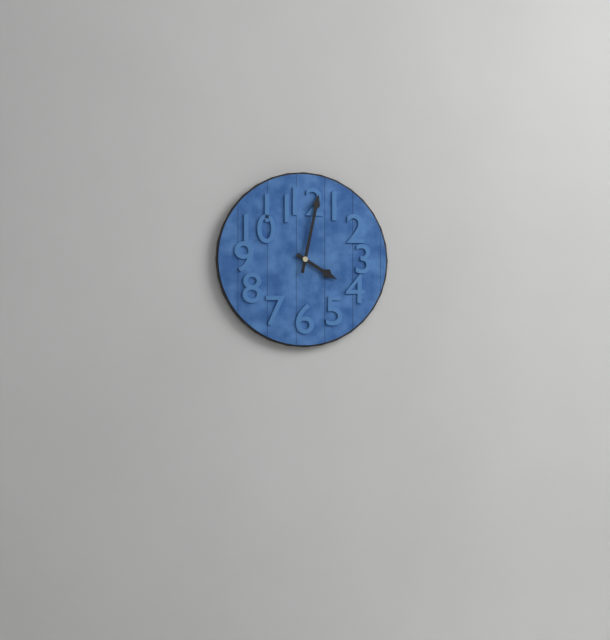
4.02
